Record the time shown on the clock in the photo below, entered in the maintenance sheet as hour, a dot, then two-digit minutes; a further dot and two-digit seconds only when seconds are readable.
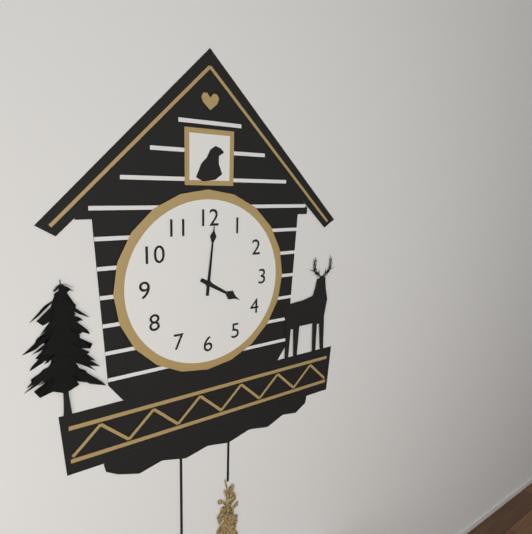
4.01
